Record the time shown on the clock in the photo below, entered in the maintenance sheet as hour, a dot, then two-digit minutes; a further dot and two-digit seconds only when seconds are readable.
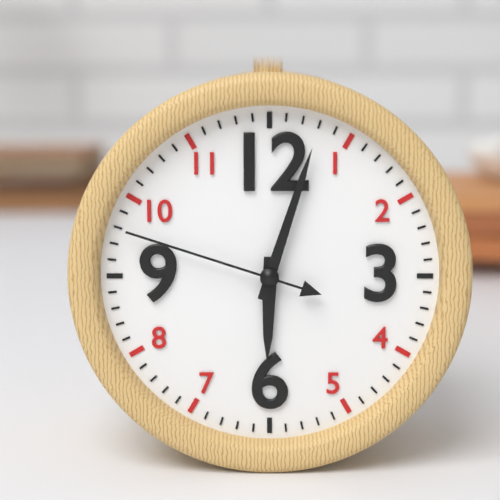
6.03.48
